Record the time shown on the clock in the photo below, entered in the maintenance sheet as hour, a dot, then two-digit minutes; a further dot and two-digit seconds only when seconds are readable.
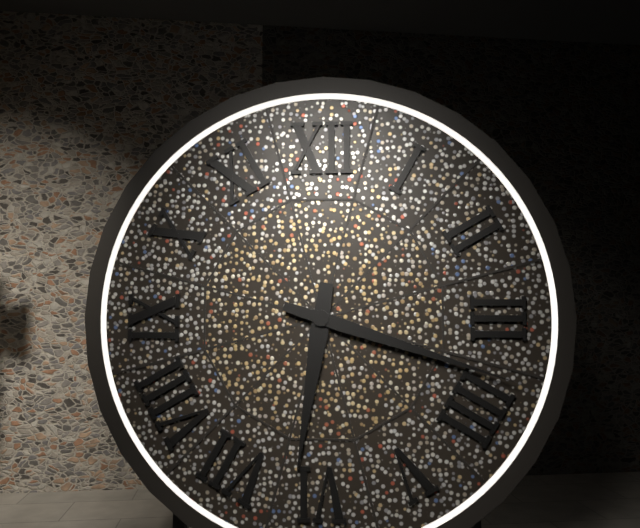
6.18
